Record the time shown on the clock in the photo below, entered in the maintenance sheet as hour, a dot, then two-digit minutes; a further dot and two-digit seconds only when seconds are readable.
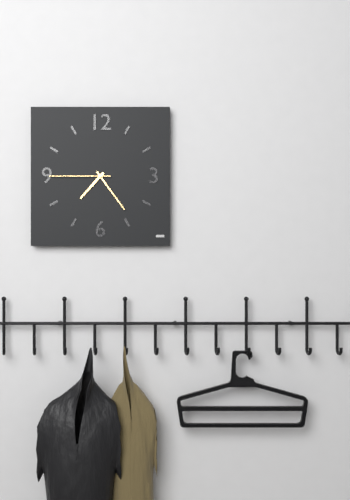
7.24.45
